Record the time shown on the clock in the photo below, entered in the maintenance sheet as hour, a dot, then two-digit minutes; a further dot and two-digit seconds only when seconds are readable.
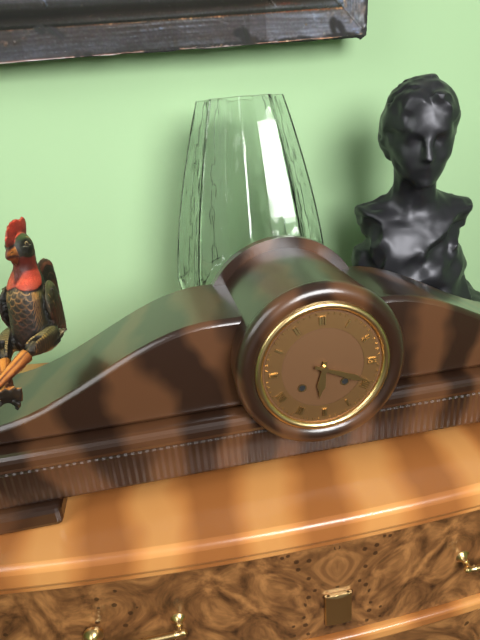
6.19
